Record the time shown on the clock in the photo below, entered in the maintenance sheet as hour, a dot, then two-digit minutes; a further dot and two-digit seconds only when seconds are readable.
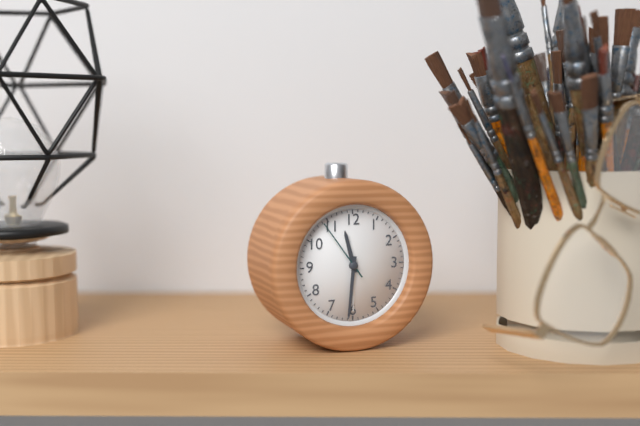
11.31.54
